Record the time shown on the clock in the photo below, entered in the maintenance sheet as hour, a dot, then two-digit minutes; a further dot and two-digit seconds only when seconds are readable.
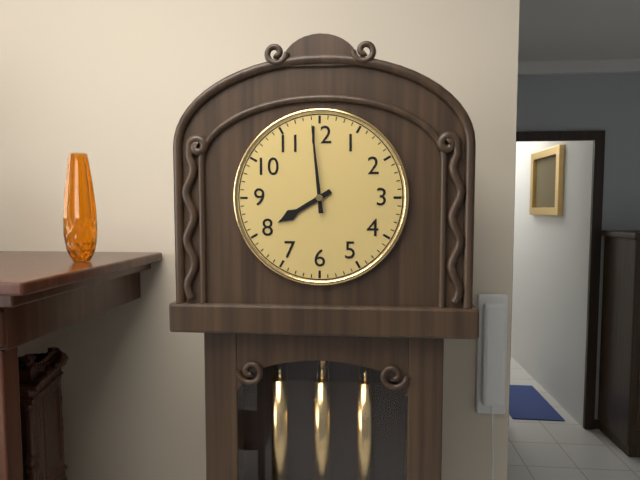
7.59
